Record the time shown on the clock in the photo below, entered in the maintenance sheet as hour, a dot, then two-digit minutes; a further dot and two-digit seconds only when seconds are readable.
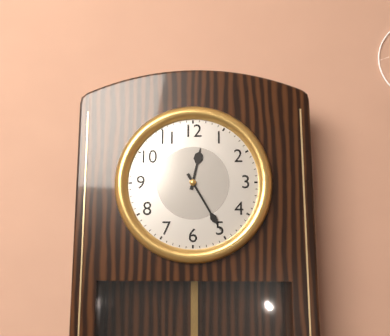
12.25
